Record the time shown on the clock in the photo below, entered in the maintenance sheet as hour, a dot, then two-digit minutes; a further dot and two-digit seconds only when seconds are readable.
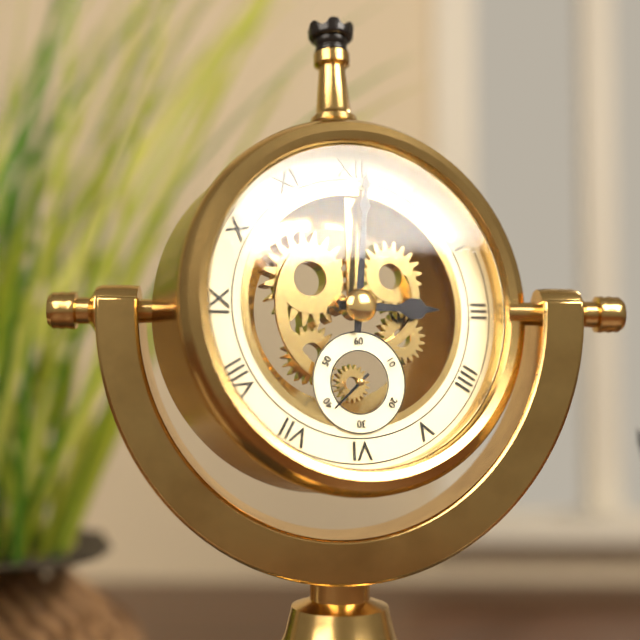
3.01
